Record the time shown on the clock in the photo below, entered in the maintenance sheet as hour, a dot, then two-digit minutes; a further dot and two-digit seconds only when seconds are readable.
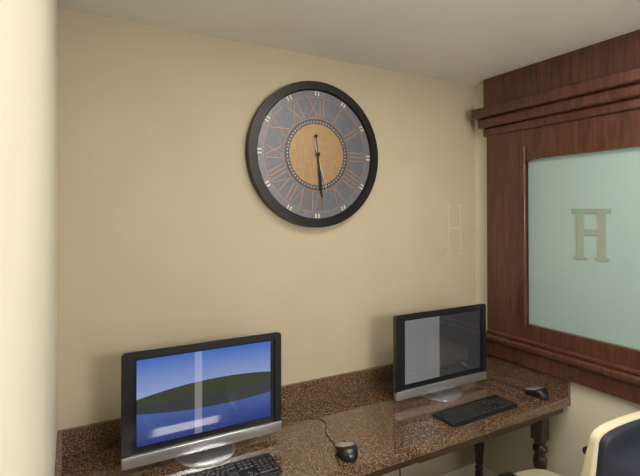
5.29
